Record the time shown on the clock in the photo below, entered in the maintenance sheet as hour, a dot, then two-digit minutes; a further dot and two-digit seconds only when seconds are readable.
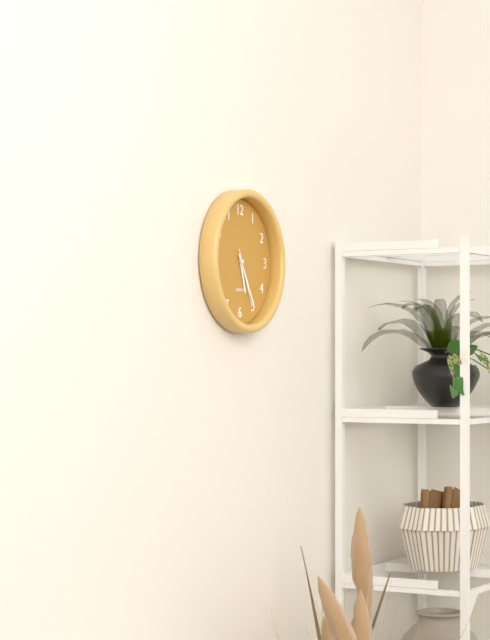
5.25.26
